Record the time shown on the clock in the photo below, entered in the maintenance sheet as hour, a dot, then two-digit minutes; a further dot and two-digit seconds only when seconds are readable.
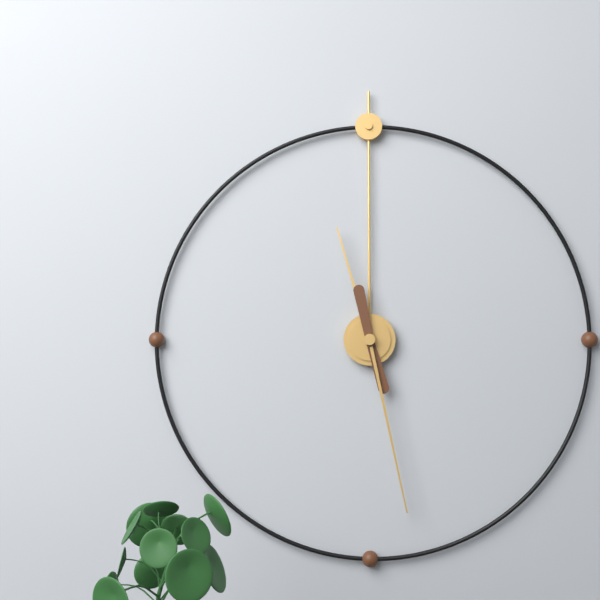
11.28
